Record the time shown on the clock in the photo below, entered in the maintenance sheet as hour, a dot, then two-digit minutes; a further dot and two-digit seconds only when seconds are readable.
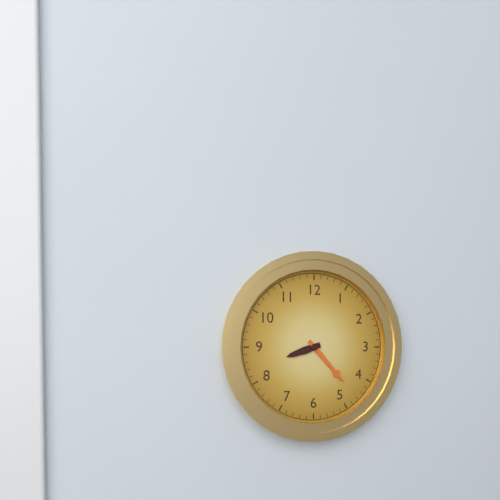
8.23
